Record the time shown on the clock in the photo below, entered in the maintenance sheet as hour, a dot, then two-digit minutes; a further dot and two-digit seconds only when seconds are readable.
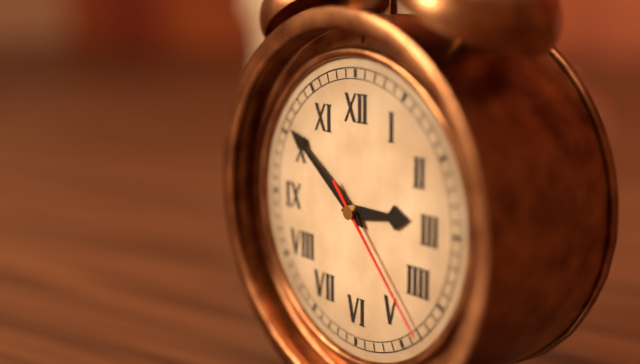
2.51.23
